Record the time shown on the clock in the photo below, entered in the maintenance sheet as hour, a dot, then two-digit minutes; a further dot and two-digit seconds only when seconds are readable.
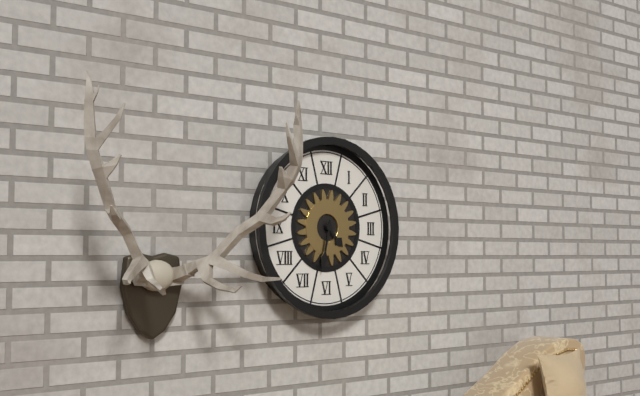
4.32
